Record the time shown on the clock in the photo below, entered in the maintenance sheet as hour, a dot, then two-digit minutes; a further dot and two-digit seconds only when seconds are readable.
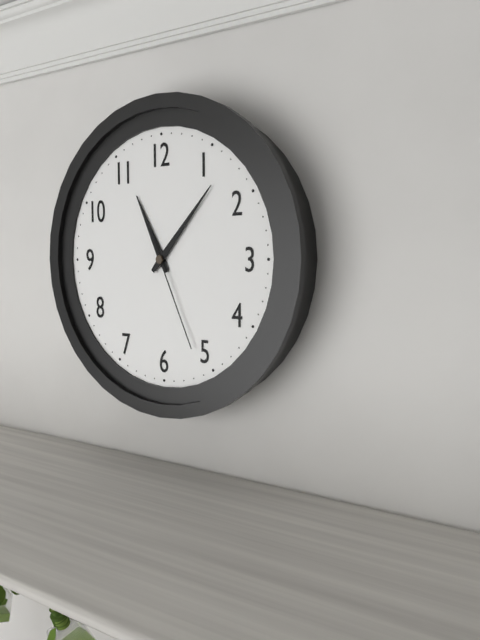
11.07.26
